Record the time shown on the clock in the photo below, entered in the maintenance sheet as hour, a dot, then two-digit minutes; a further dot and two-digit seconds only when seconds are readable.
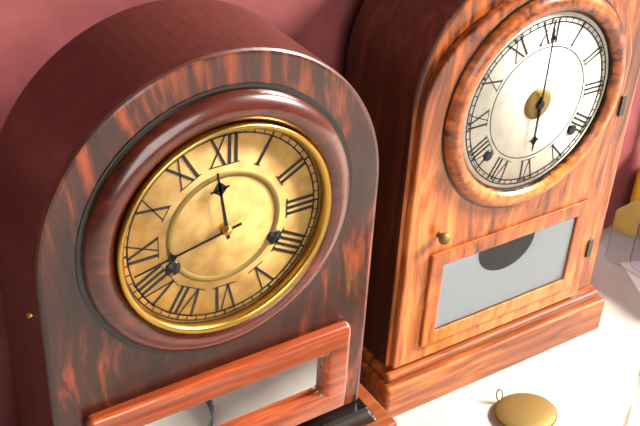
11.43
